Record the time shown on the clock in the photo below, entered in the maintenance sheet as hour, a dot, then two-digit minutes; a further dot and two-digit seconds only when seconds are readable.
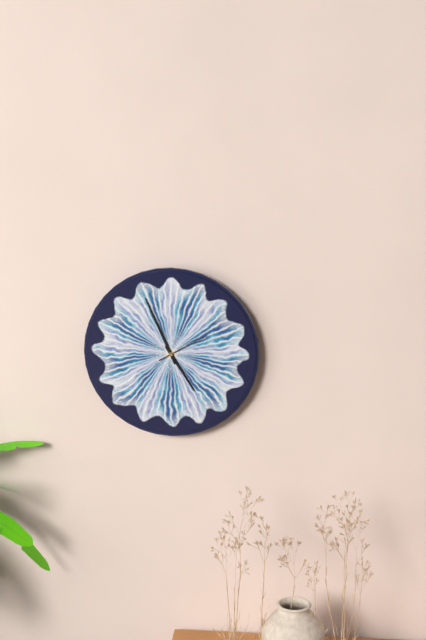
4.56.10
